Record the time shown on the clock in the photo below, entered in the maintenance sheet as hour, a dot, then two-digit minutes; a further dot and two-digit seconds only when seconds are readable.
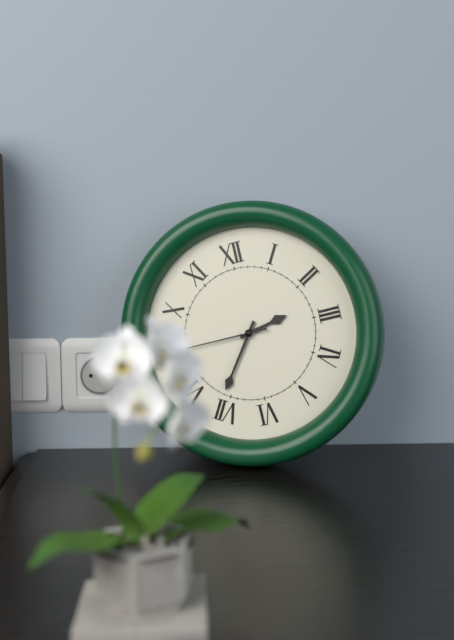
2.36
